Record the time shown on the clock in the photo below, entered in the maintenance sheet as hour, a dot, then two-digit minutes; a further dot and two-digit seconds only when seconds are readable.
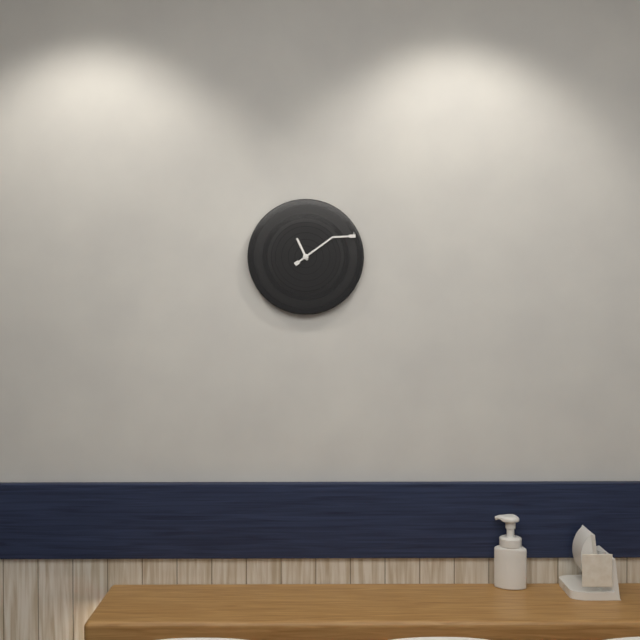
11.09
